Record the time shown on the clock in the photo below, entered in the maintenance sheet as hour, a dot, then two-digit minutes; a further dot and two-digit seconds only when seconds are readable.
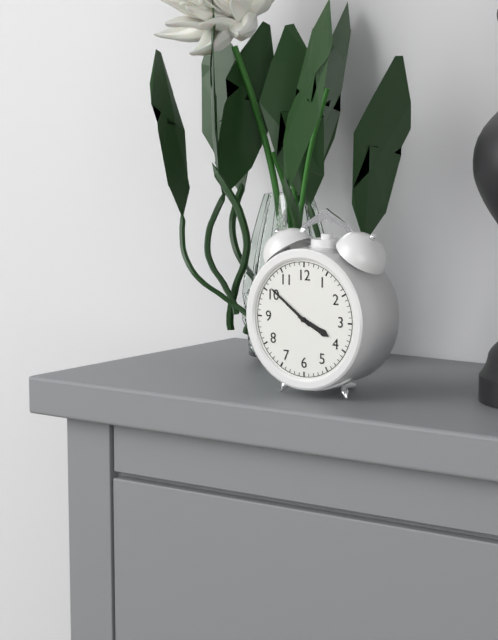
3.51
